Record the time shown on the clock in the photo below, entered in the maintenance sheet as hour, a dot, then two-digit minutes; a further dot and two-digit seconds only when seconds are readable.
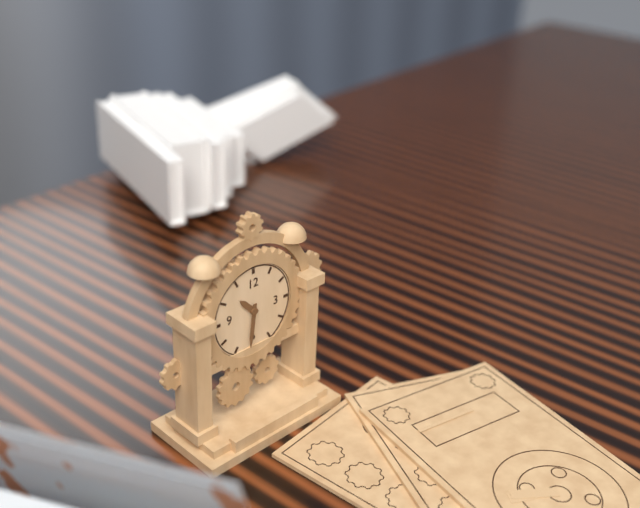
10.31
